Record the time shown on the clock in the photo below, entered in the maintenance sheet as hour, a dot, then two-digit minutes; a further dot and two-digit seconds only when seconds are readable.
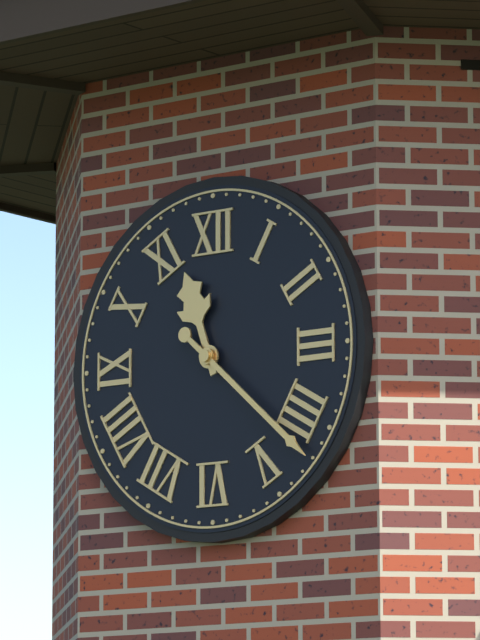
11.22
